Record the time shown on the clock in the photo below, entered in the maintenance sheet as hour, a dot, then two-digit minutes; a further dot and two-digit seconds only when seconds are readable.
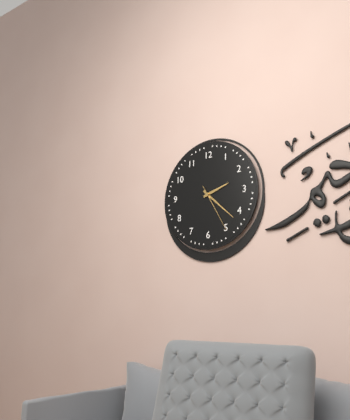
2.22.25
